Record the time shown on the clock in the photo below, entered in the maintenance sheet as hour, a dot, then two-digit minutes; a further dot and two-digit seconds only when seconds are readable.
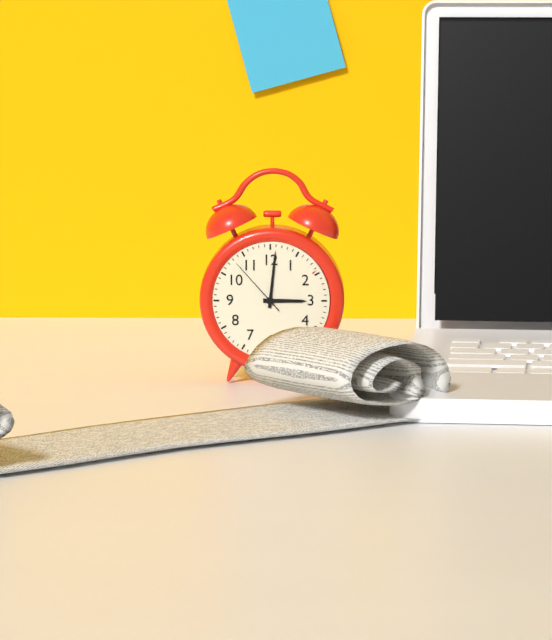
3.01.53
